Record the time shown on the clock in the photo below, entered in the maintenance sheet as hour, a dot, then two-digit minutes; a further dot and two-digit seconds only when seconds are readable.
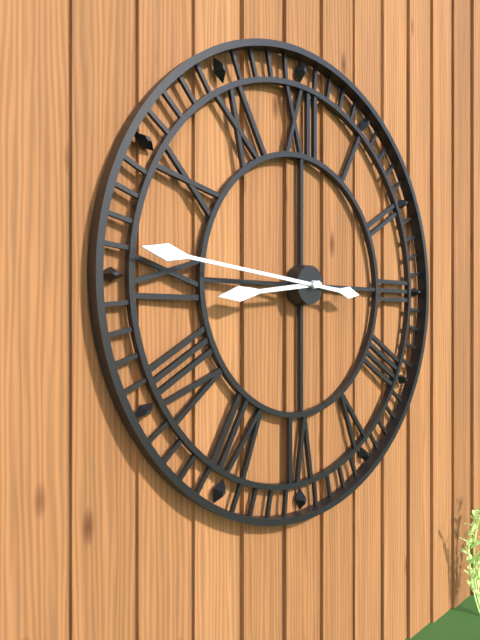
8.46
